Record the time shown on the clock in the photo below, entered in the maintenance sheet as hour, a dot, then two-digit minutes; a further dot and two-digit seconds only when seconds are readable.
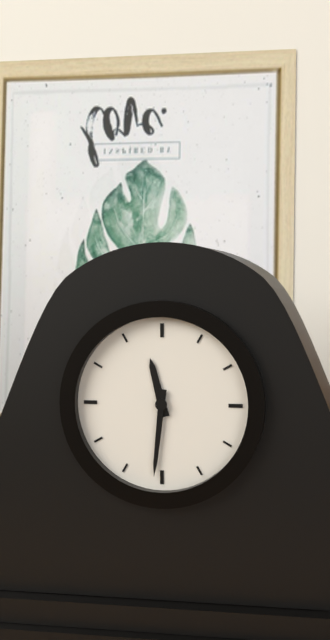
11.31
